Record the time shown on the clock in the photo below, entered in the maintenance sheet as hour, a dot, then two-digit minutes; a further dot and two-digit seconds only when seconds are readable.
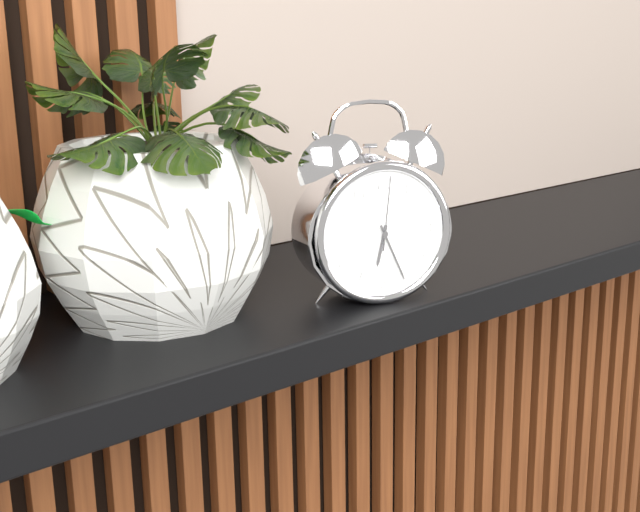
6.26.01
